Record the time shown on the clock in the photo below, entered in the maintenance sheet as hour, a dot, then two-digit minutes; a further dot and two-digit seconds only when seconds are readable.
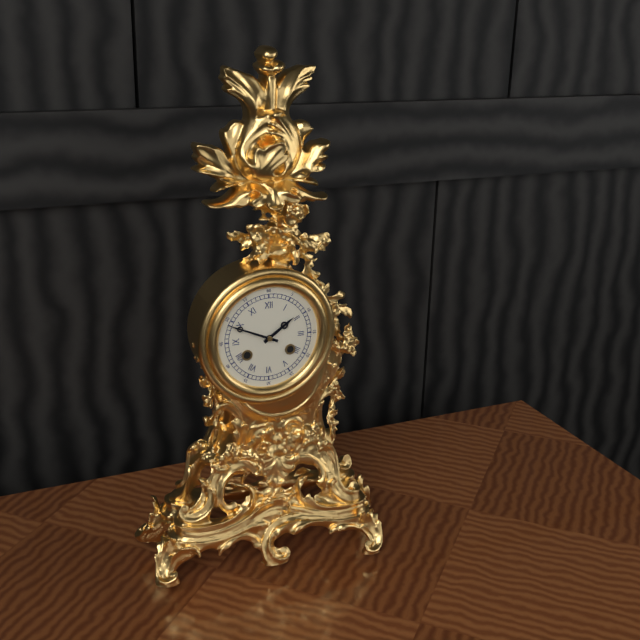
1.49
